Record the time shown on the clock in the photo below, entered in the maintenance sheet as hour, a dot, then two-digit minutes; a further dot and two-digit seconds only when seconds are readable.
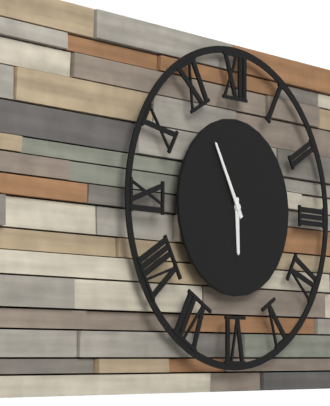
5.55
